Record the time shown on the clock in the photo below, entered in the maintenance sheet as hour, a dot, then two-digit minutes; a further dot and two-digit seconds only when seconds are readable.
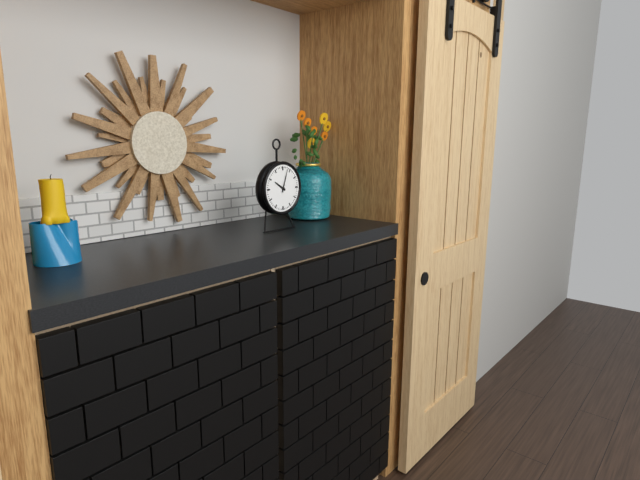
10.03
